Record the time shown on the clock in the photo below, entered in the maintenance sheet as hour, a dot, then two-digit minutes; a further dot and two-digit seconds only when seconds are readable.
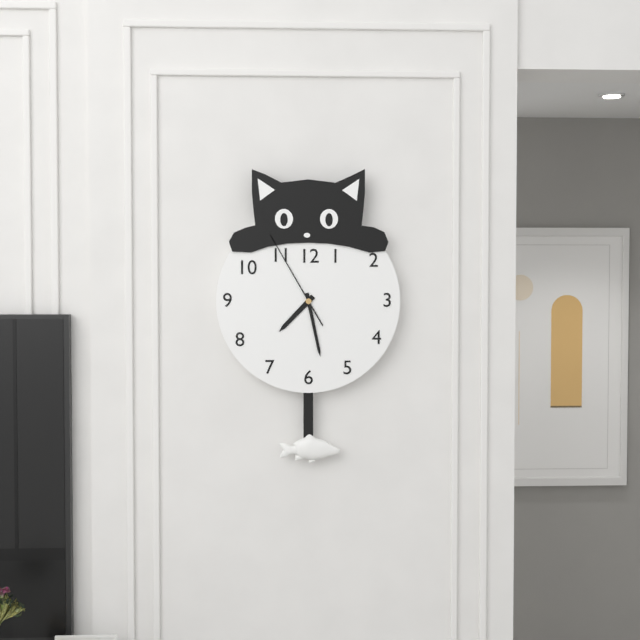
7.28.55
